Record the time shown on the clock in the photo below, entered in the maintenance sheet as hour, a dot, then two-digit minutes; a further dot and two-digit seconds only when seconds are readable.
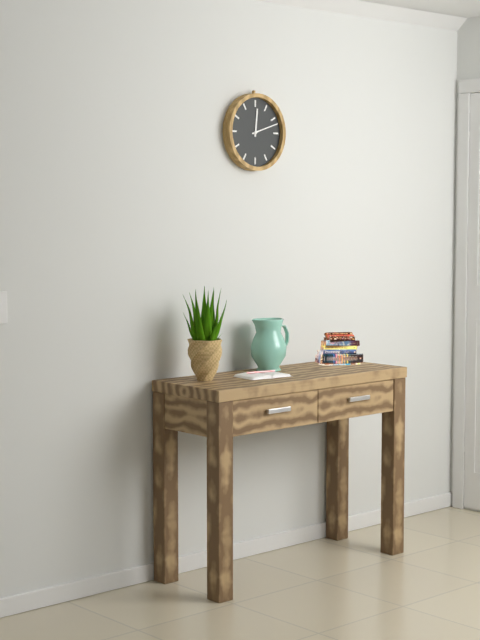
12.12
